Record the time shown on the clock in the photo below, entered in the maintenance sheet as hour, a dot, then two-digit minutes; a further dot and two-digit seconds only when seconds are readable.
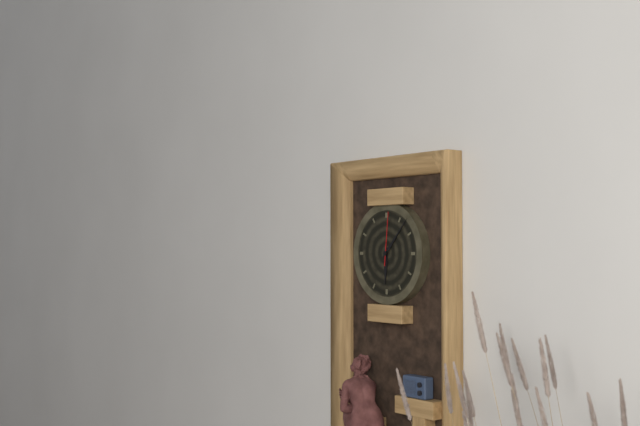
6.07.01
